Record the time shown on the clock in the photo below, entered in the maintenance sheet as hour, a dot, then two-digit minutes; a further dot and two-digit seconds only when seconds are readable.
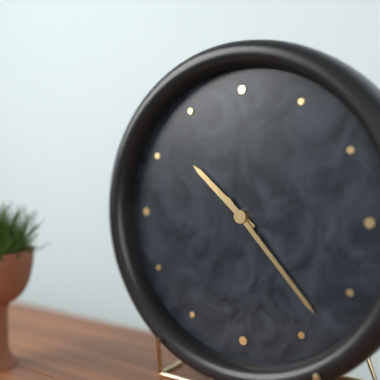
10.23
